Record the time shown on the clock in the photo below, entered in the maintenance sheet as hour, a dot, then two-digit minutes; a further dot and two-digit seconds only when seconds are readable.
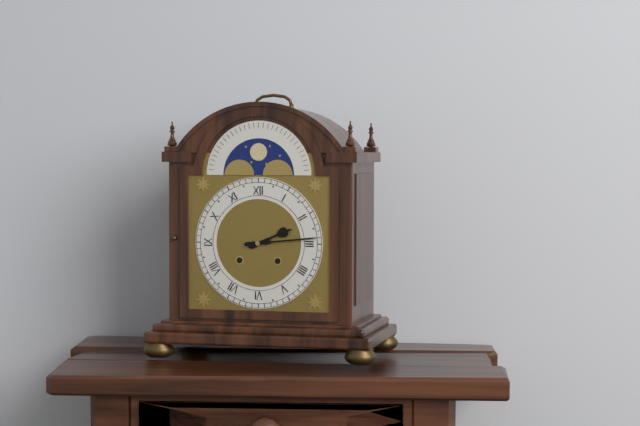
2.14
